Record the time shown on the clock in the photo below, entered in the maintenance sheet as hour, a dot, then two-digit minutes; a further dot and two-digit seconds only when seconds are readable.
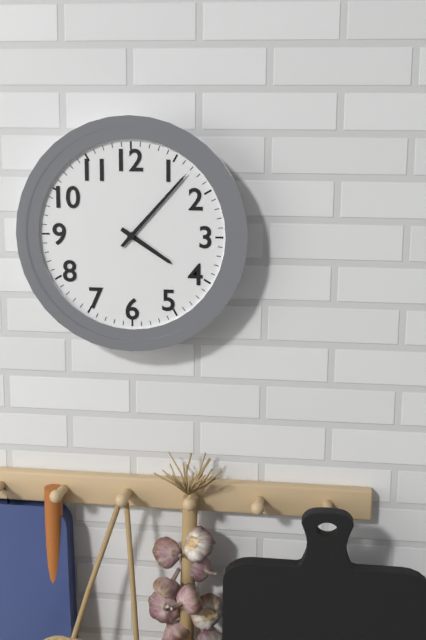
4.07
